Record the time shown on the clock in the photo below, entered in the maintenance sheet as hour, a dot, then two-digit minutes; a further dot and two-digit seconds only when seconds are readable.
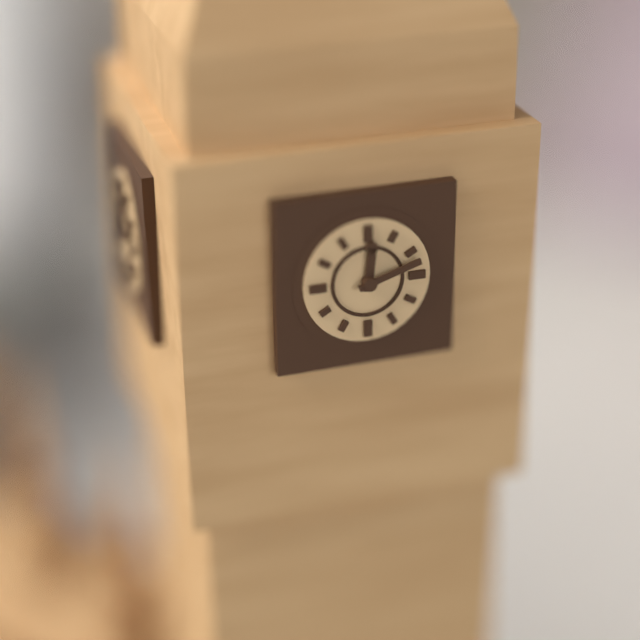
12.12
